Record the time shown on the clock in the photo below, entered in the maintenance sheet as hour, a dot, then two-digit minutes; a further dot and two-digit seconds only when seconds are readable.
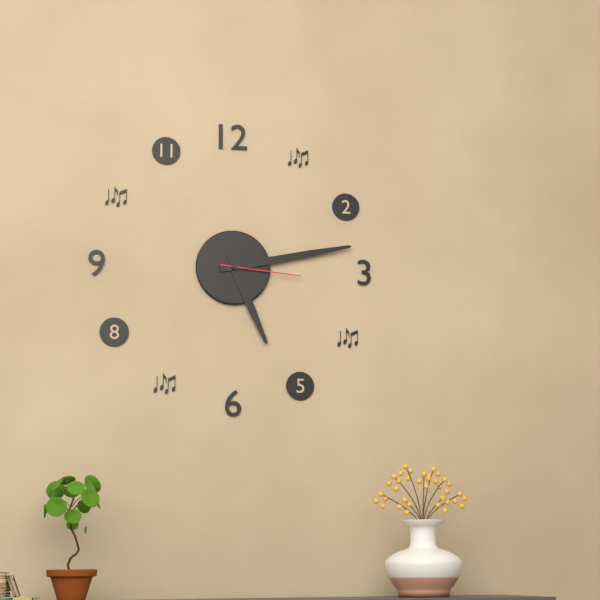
5.13.16
